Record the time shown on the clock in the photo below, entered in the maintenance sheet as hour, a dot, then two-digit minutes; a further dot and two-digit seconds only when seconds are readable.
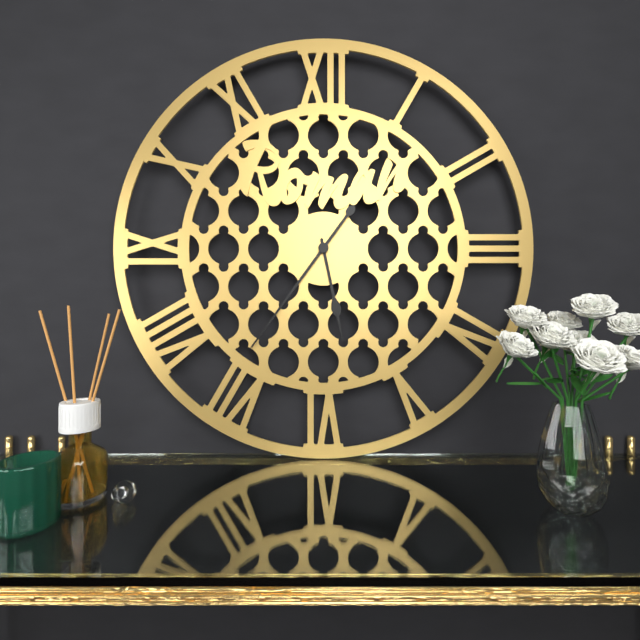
5.36
